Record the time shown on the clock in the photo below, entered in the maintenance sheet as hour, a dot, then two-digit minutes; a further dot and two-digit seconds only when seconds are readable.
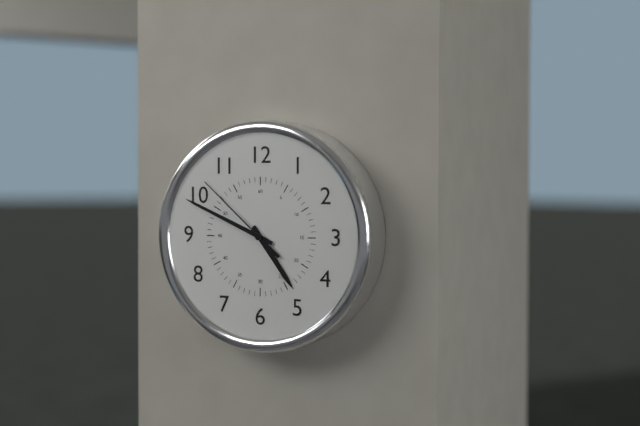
4.49.52
